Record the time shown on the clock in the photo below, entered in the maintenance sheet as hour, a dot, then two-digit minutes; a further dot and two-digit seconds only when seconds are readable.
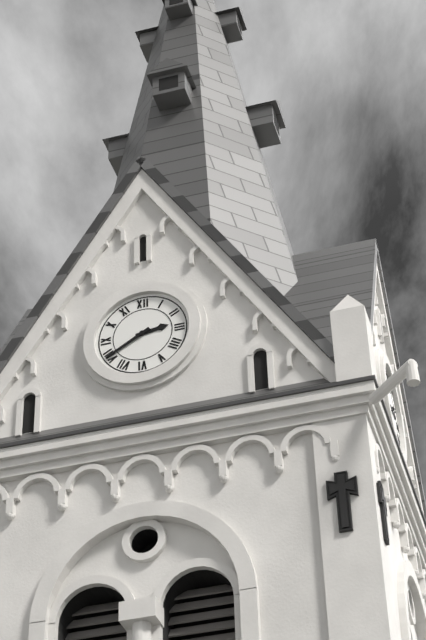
2.40
